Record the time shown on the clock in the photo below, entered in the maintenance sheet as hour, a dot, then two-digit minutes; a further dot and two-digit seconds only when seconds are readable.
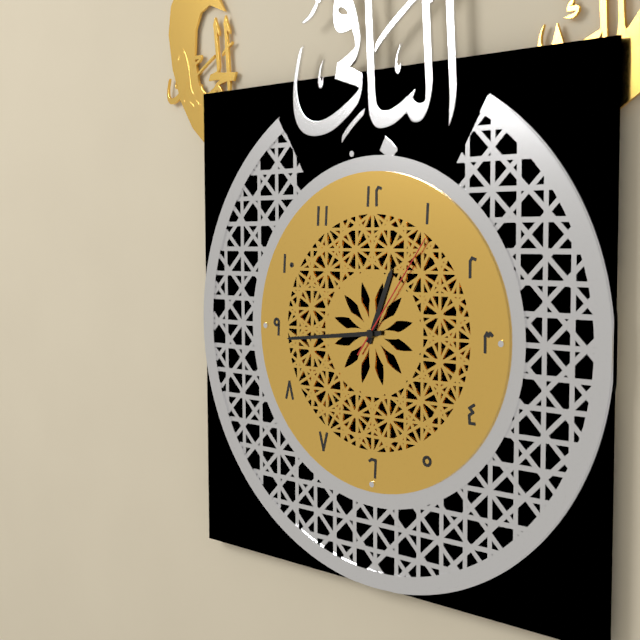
12.44.06
